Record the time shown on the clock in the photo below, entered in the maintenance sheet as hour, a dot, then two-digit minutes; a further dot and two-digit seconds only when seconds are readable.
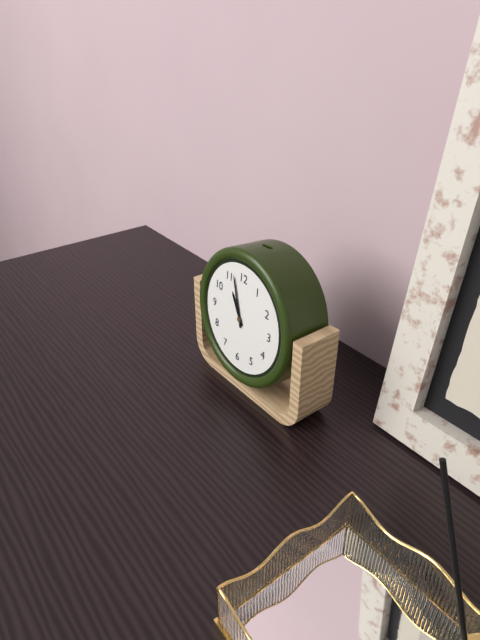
10.57
